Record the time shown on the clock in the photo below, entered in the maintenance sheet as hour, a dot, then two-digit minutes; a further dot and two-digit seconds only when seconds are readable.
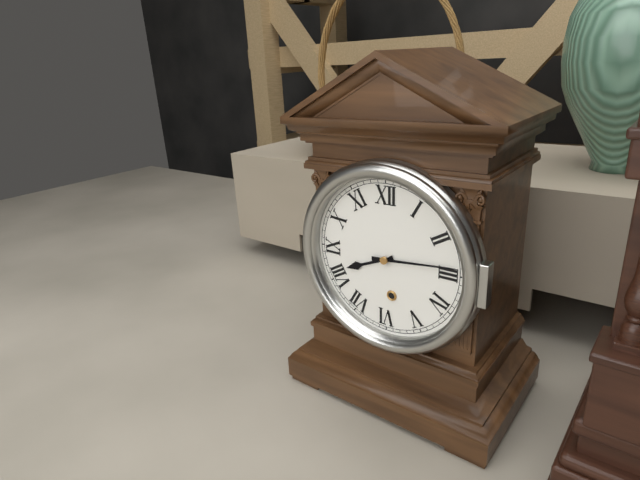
8.14
